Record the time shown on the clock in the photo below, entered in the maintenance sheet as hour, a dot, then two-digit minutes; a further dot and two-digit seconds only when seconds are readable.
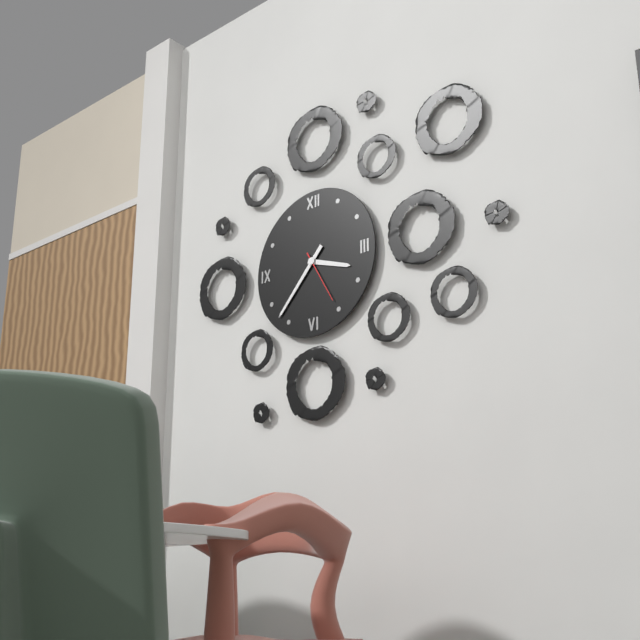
3.37.25
